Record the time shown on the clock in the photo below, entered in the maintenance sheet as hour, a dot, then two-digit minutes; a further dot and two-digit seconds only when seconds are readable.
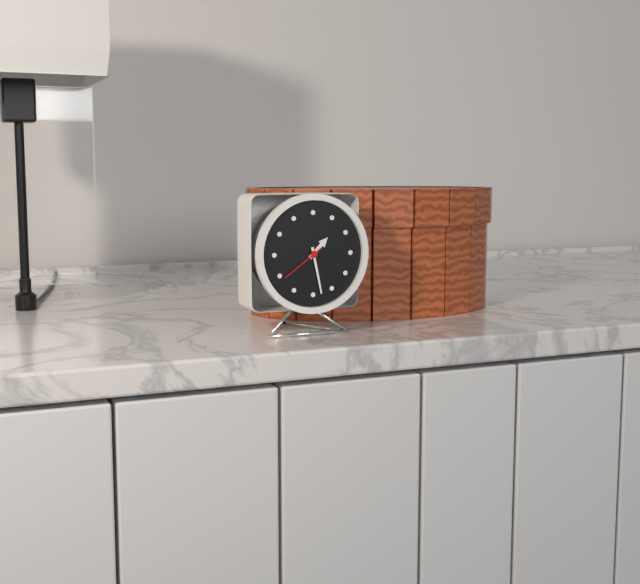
1.28
